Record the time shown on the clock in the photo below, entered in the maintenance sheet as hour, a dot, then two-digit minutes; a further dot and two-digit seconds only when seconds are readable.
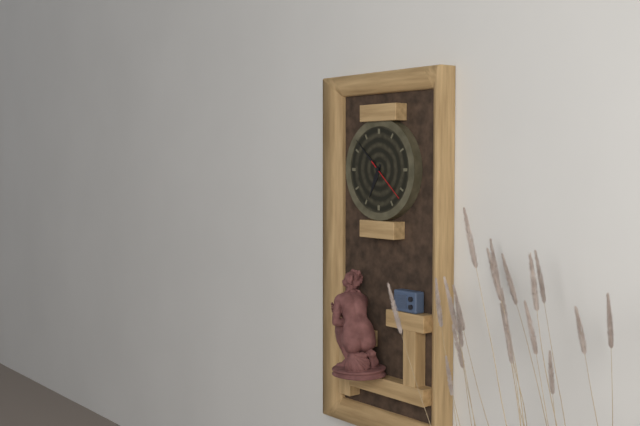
6.52
